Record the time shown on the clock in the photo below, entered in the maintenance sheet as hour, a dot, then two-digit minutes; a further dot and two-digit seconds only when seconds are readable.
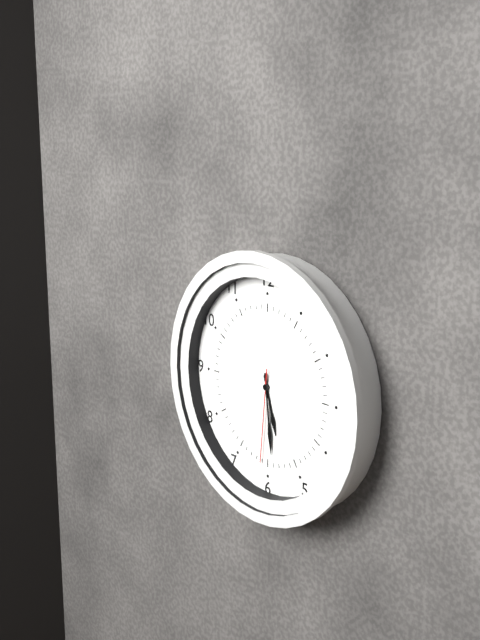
5.29.31
